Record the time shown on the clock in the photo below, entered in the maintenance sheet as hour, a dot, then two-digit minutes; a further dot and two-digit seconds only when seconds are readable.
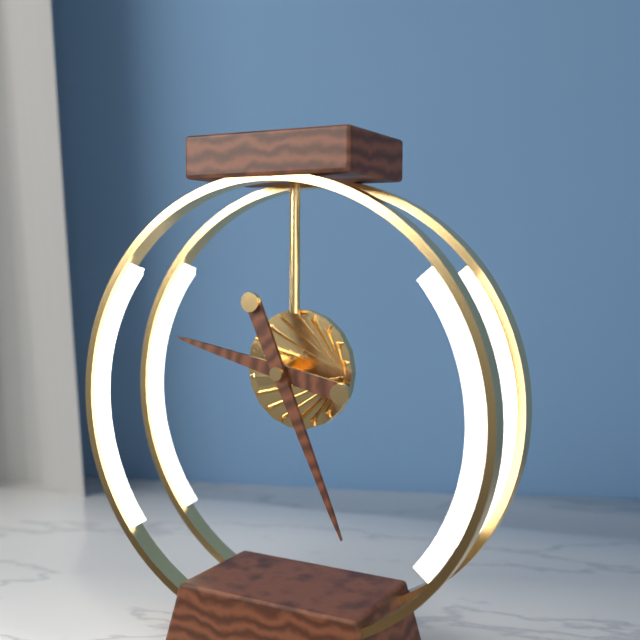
9.26
